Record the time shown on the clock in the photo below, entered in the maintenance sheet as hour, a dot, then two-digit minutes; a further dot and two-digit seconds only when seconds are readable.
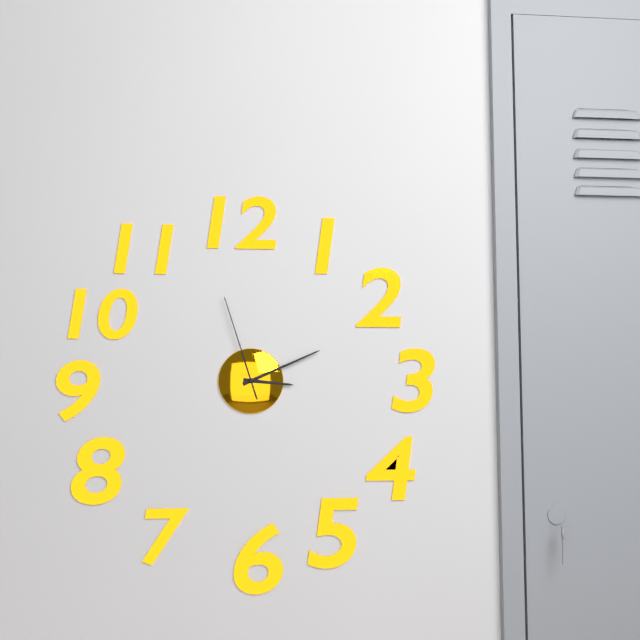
3.11.57
